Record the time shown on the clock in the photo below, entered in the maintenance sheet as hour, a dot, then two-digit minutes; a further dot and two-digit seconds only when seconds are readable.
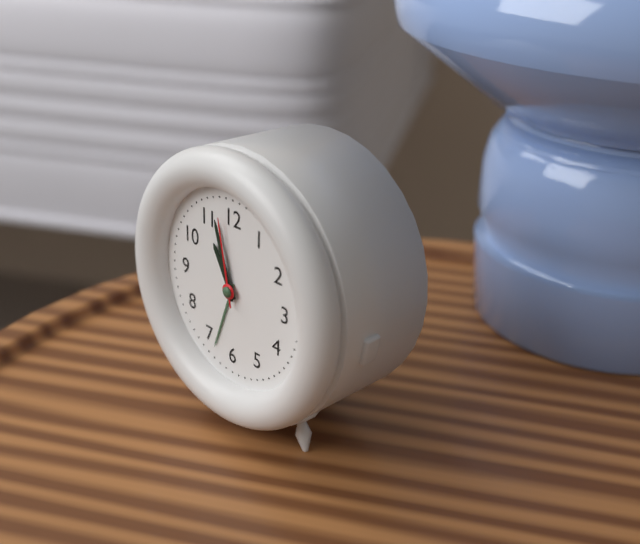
10.57.58
